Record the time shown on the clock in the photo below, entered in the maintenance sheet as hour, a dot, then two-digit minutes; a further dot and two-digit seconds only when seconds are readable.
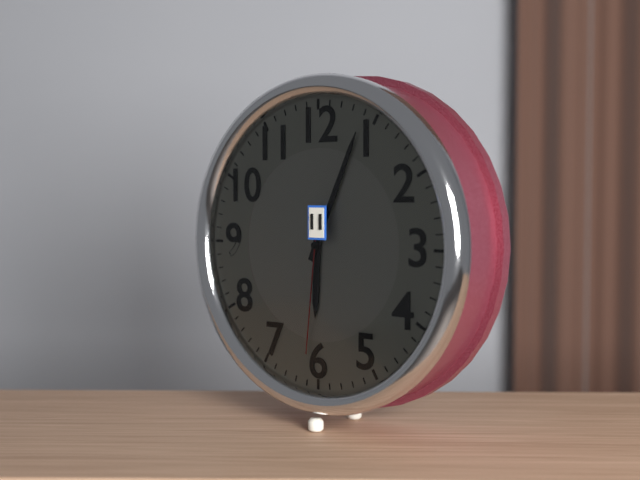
6.04.31
